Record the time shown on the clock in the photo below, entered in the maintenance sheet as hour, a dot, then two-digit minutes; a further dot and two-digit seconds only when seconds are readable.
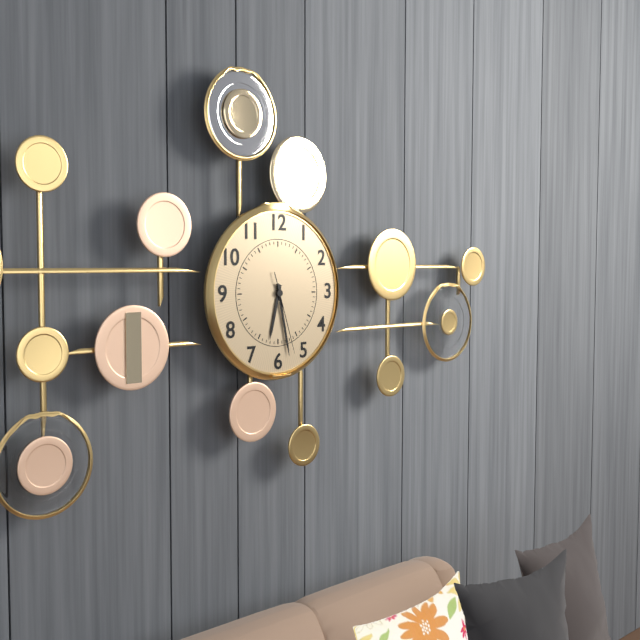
6.28.27
